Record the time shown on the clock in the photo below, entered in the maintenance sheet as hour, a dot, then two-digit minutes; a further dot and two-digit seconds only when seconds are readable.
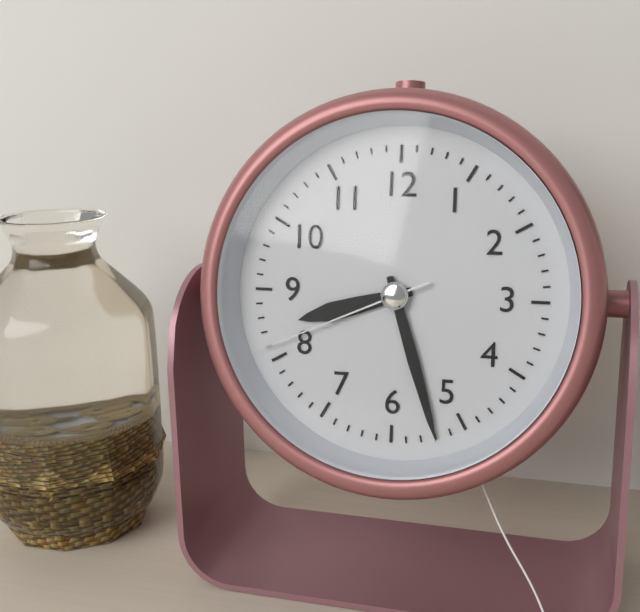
8.27.41
